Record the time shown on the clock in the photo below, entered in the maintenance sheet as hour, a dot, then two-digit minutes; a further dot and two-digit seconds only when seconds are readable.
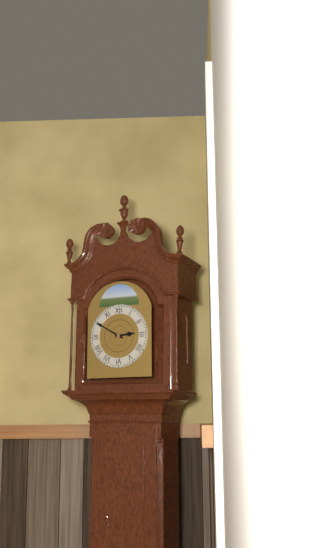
2.50
